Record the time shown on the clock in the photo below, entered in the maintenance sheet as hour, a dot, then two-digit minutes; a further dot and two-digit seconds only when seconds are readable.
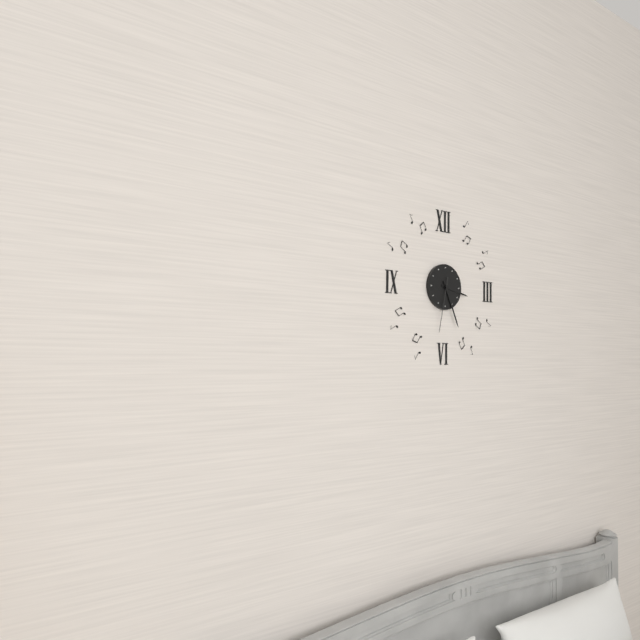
3.26.32
